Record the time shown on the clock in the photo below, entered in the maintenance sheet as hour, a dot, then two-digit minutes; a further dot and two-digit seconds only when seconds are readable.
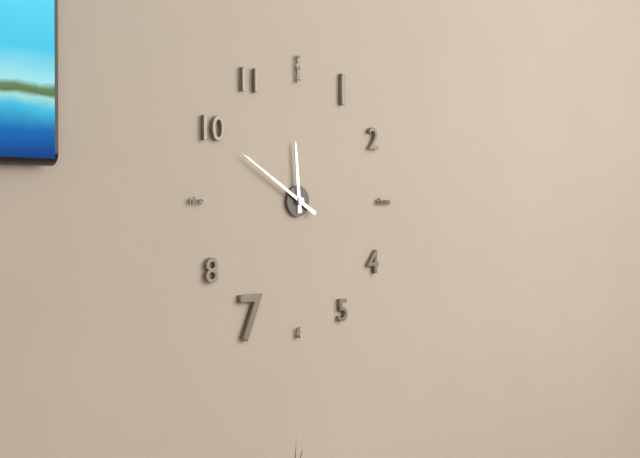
11.50
